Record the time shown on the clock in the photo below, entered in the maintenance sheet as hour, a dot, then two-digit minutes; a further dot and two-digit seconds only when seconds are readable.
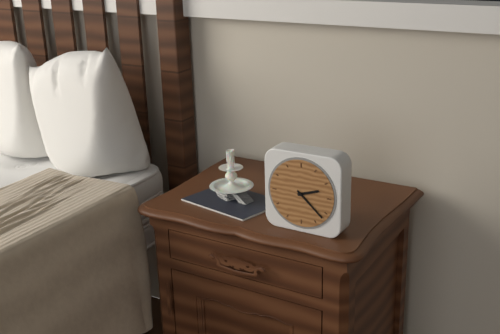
2.22
